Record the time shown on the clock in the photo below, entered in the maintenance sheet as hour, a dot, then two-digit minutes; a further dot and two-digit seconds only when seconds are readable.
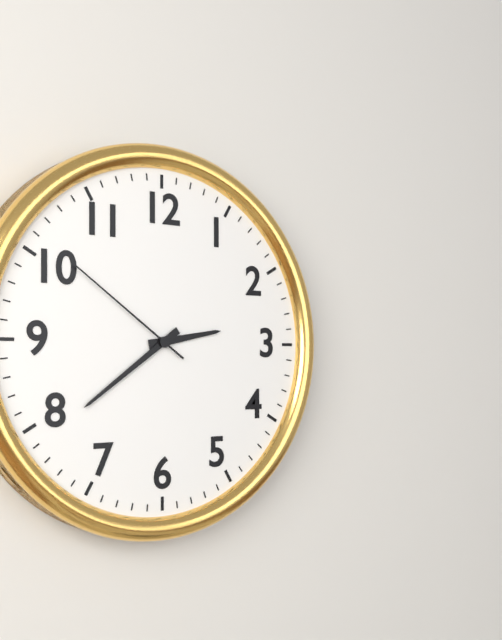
2.39.51
